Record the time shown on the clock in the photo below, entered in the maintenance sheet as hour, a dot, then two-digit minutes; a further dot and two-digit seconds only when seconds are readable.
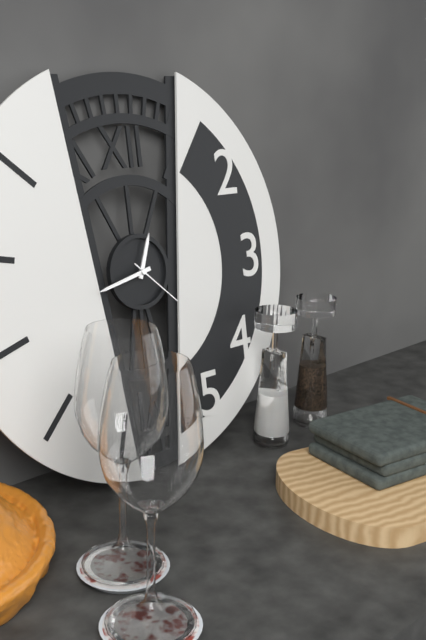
12.43.22
